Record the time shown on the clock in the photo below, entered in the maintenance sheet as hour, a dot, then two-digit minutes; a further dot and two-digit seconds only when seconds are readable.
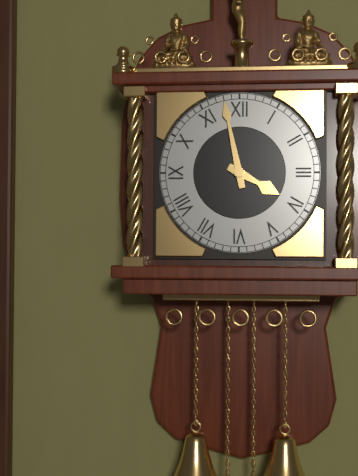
3.58
